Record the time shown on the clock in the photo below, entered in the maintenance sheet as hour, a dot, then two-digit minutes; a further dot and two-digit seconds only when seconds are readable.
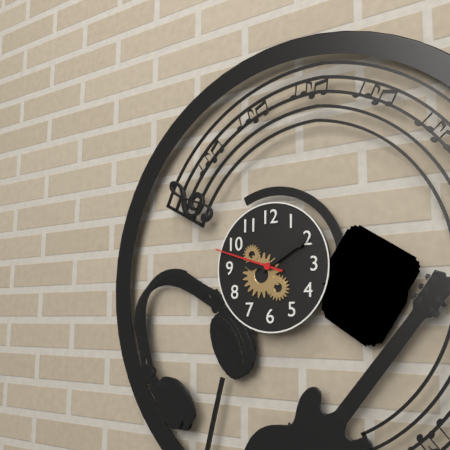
9.10.48
